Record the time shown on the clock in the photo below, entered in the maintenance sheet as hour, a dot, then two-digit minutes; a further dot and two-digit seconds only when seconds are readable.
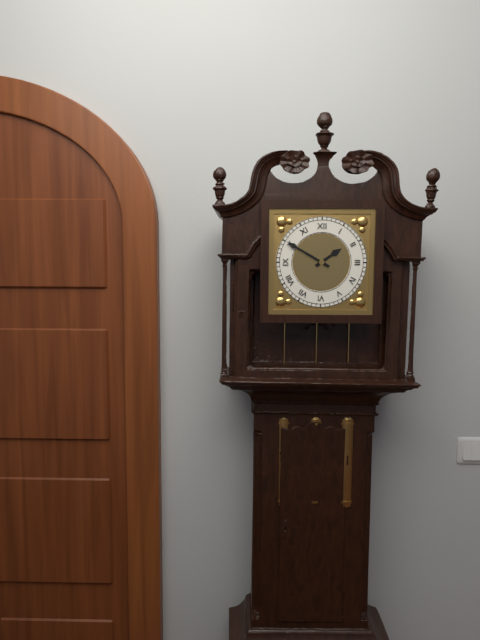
1.50
